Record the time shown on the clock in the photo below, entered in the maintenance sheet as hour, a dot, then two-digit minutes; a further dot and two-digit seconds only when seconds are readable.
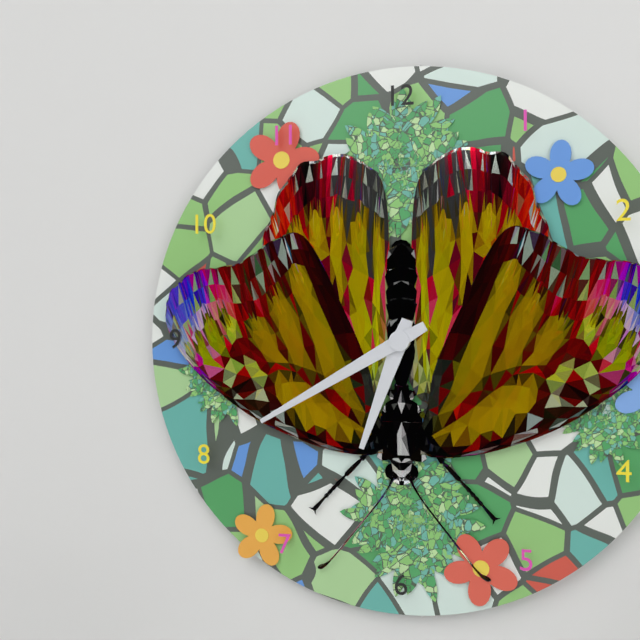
6.40
